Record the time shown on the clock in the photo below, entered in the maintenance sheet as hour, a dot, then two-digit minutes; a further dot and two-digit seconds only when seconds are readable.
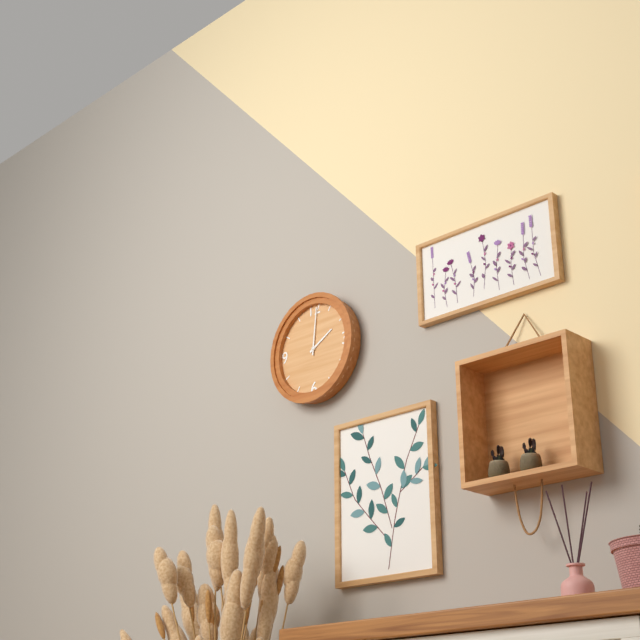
2.01
